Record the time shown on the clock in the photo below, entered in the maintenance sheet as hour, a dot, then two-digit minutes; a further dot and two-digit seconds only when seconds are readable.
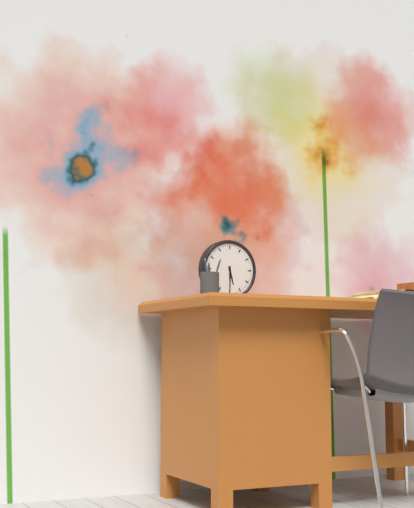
5.30
